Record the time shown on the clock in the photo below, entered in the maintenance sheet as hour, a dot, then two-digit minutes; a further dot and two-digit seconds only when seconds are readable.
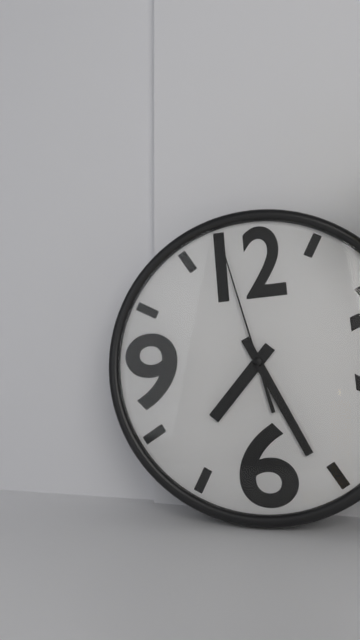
7.26.58
